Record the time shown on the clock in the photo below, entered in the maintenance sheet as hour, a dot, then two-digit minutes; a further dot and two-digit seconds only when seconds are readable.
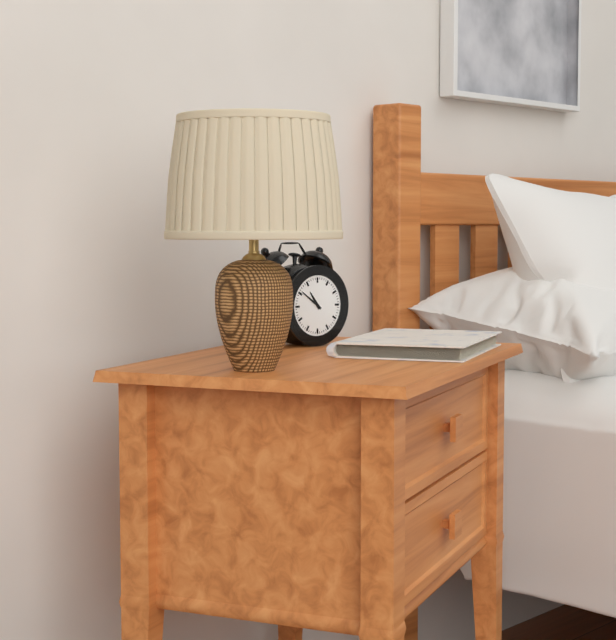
10.51
